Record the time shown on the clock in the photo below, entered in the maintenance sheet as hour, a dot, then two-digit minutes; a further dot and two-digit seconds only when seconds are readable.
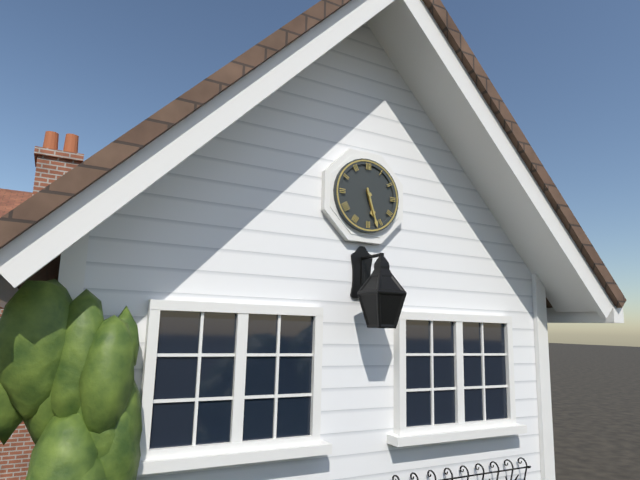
5.27
